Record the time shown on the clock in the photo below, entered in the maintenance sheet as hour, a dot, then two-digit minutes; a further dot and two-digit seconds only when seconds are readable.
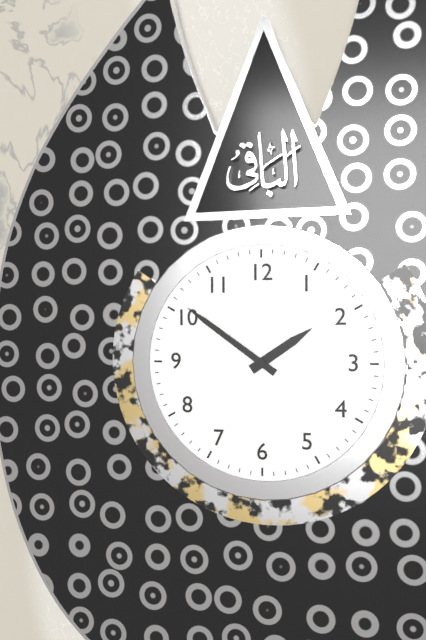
1.51
